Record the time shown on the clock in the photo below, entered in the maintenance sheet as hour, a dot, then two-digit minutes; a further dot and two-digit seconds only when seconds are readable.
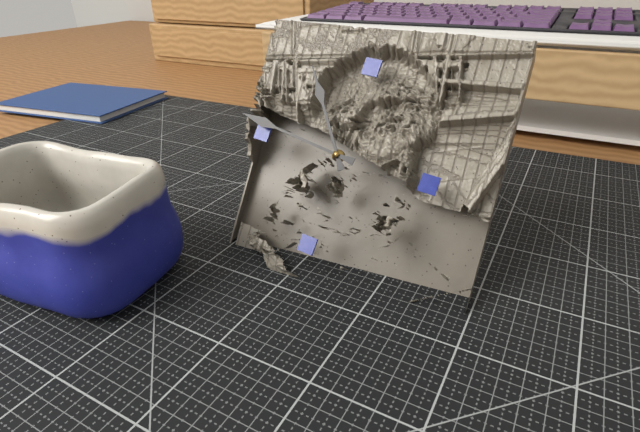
10.46
